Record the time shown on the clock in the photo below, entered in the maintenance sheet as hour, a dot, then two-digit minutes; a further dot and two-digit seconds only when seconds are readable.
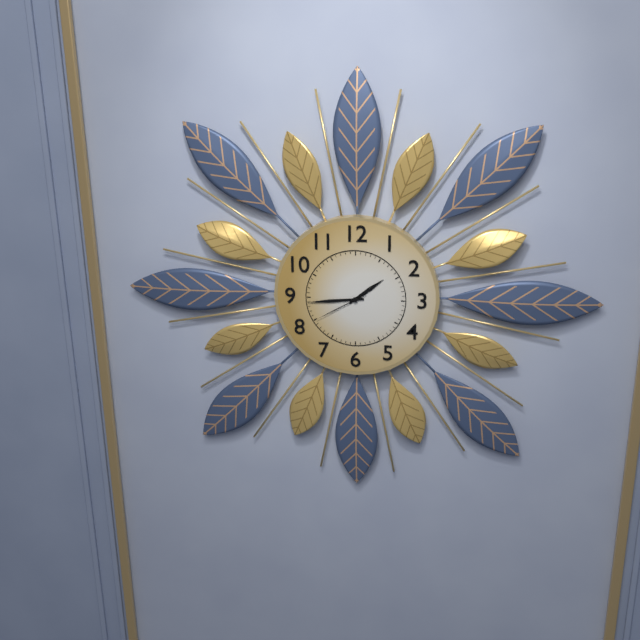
1.44.40
